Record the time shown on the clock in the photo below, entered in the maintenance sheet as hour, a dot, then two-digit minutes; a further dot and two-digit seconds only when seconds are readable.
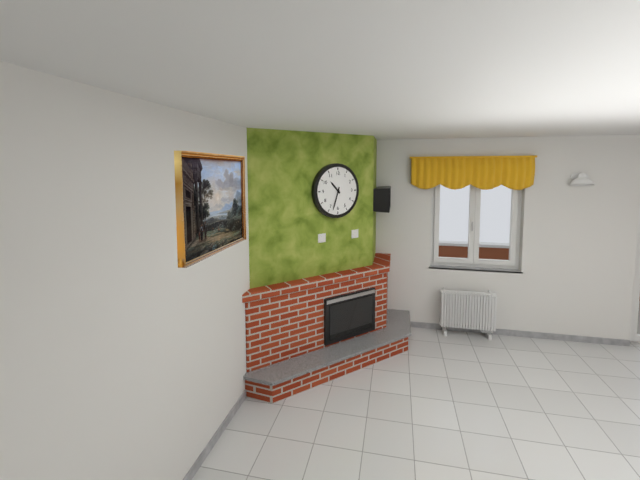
10.33
